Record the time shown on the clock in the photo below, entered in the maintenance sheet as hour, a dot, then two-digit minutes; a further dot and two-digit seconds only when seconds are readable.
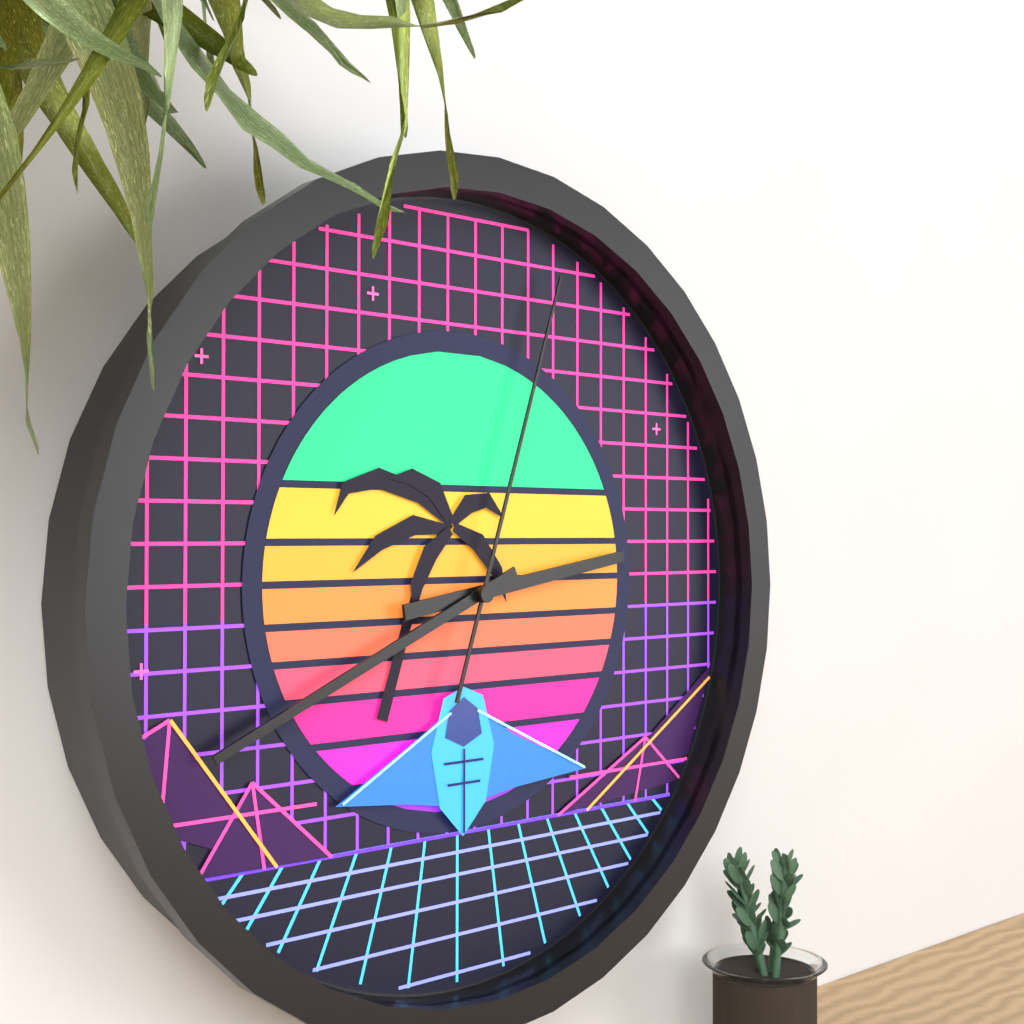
2.41.03
